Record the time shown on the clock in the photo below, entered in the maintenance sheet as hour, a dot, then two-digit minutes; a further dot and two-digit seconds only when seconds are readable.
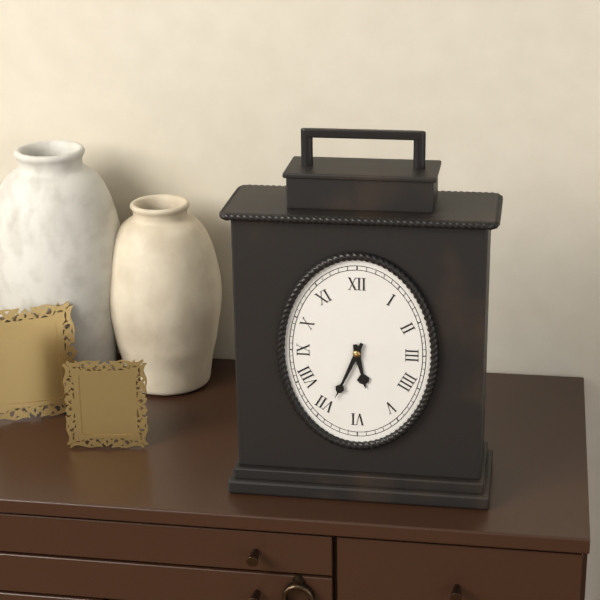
5.34
